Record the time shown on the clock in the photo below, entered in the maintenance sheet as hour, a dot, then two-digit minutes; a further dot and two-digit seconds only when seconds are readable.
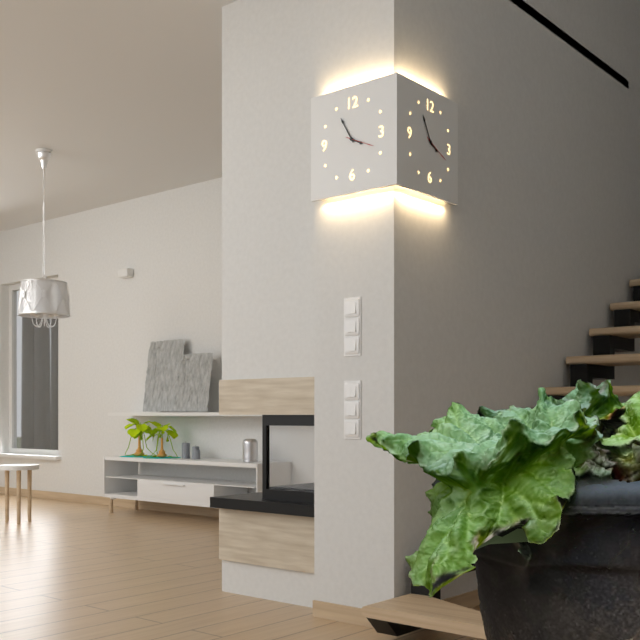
3.55
